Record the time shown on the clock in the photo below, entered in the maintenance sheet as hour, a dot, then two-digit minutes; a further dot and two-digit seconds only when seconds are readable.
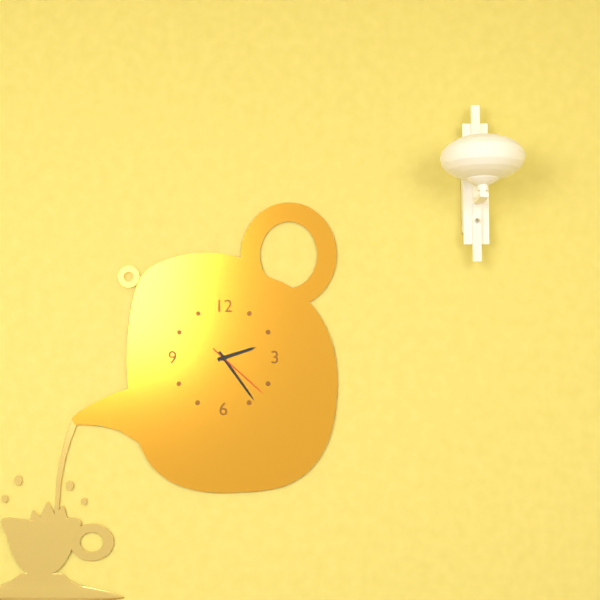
2.24.22
